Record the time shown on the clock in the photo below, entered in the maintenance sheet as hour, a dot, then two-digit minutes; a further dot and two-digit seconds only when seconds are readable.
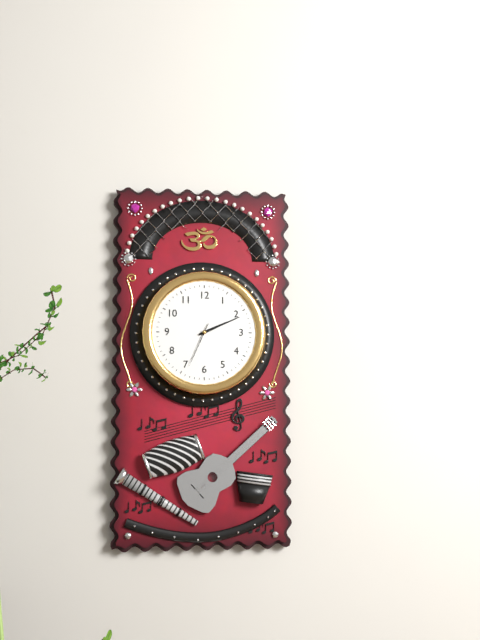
2.11
